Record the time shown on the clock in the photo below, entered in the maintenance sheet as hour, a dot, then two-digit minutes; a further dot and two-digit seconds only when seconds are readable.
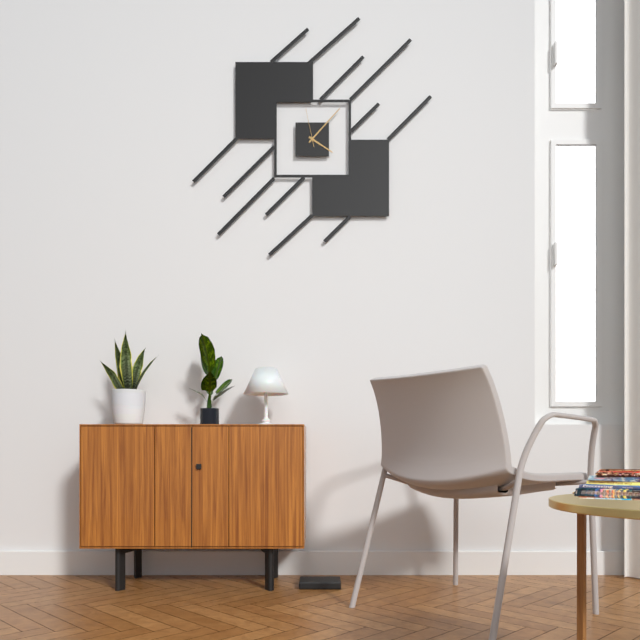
4.07
